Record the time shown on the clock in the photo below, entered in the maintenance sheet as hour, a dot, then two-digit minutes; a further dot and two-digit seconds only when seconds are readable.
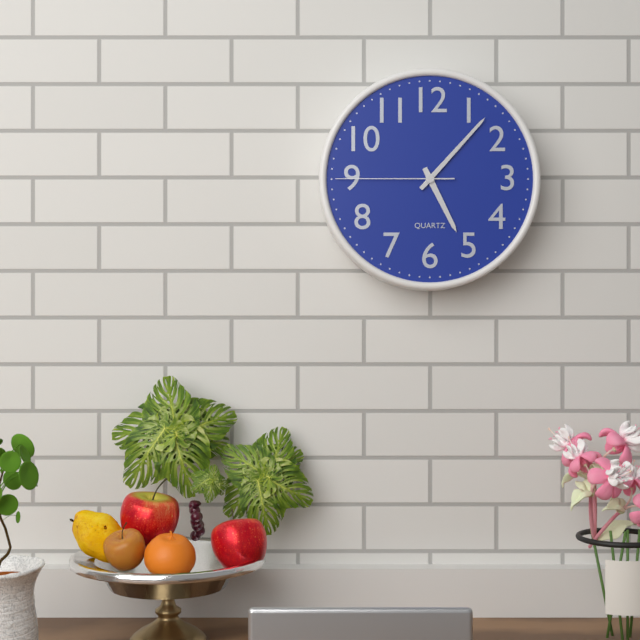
5.07.45
